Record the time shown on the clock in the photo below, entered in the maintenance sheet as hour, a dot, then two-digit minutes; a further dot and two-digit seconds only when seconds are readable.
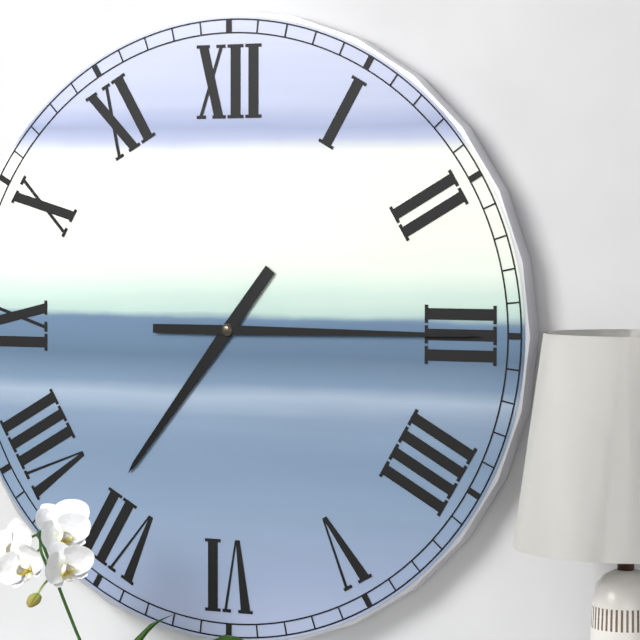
7.15
